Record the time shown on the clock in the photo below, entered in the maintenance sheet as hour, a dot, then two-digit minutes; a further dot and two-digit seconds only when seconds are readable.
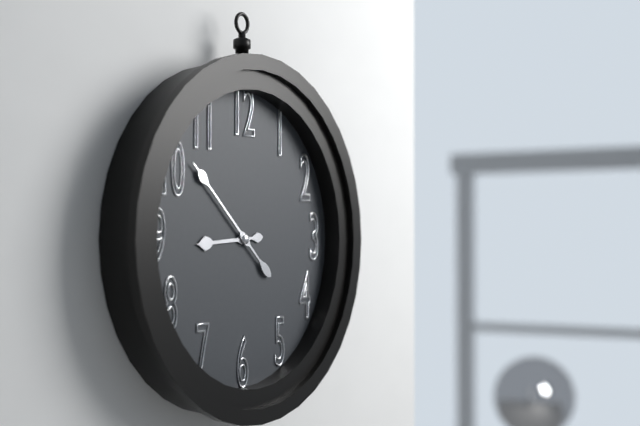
8.52
